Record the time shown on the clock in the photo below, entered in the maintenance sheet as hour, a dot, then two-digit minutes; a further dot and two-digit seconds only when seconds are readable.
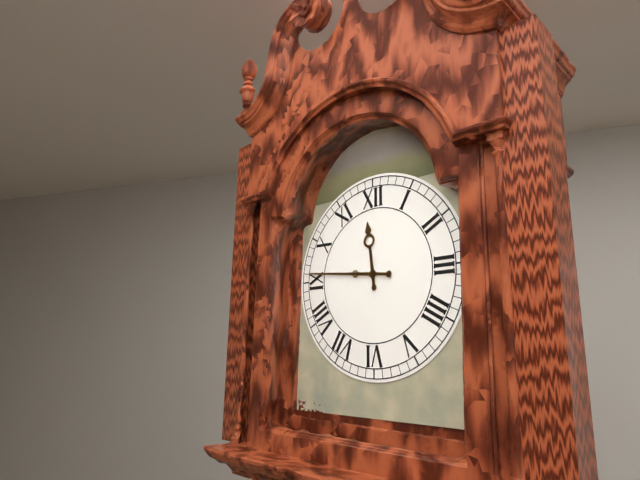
11.46
